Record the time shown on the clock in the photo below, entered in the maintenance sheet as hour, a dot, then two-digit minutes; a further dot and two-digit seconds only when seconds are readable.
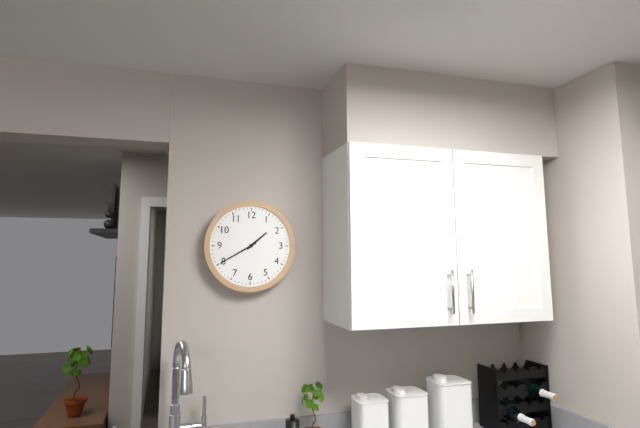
1.40
